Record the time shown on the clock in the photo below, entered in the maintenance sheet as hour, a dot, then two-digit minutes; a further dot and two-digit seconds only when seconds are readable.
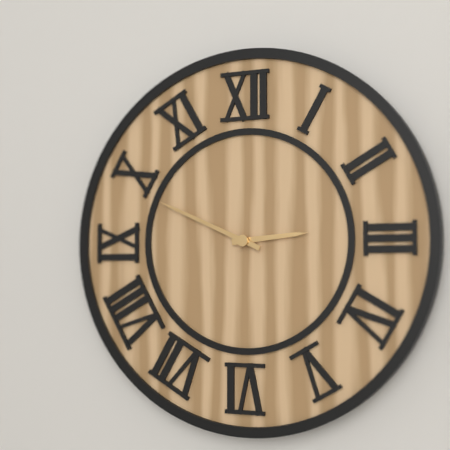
2.49
